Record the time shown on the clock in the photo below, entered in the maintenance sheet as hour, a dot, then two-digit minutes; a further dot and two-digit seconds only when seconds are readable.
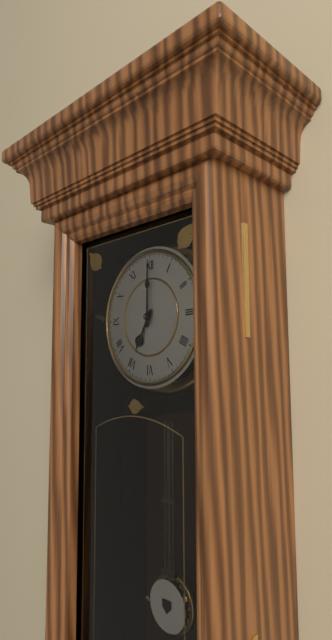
7.00
